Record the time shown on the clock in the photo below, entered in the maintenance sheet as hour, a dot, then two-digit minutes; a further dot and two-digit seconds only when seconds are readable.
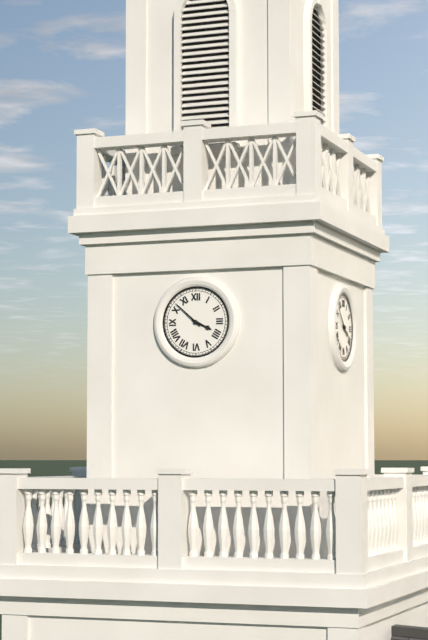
3.52
